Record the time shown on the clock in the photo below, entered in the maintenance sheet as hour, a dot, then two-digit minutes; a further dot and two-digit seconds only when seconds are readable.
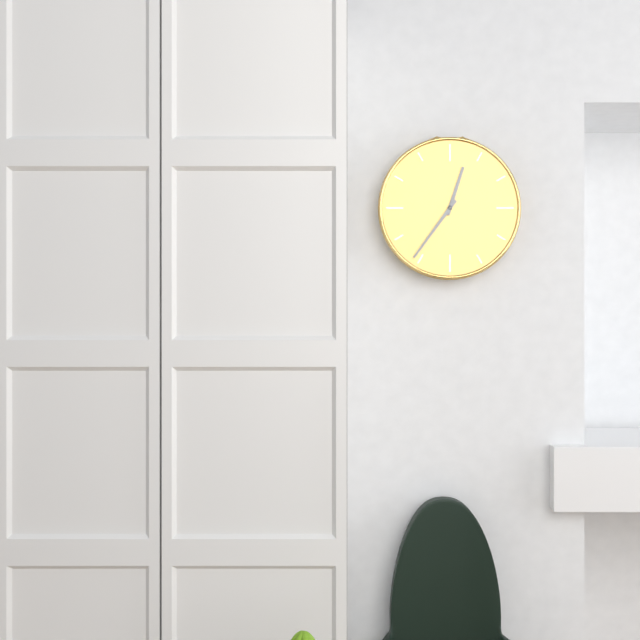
12.36
